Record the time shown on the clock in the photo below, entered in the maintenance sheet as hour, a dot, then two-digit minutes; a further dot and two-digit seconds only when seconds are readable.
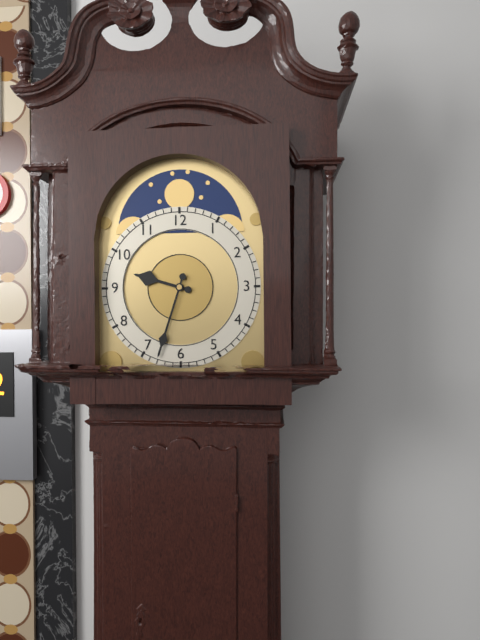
9.33
